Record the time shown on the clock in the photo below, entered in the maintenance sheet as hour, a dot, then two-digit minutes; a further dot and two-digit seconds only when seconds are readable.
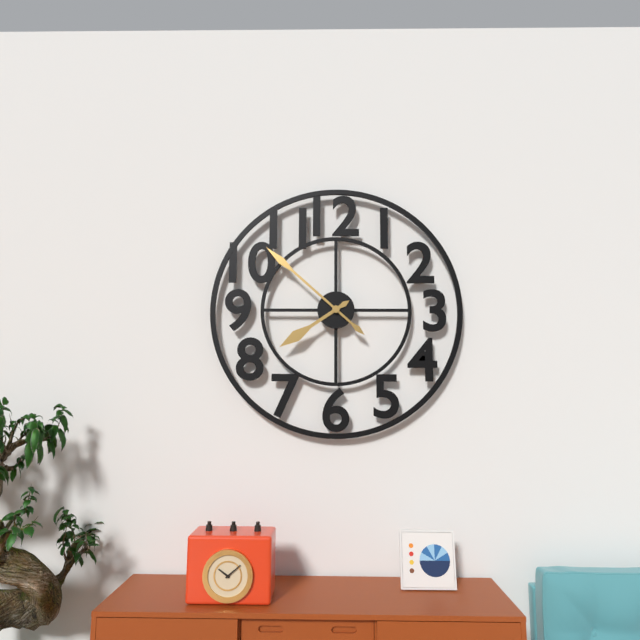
7.52
